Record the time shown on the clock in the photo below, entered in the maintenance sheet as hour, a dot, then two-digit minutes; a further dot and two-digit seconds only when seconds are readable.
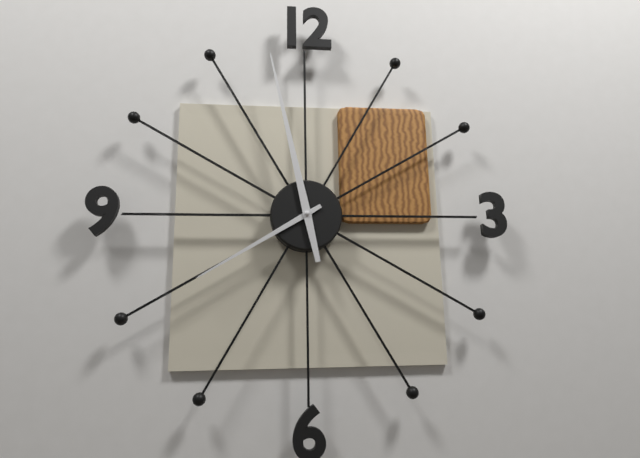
7.58
